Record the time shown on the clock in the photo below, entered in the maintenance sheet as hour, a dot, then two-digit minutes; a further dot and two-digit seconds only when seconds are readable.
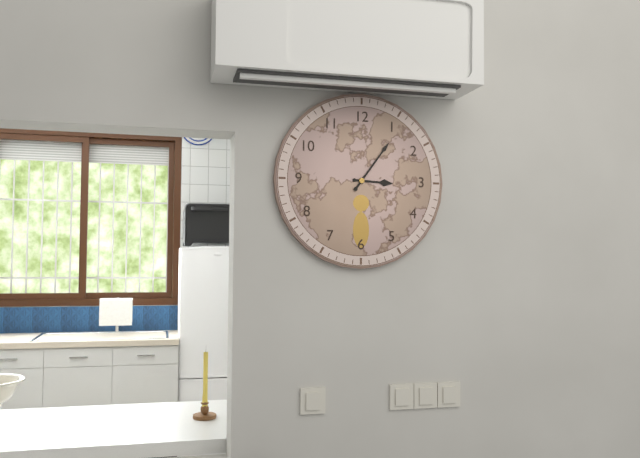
3.06
